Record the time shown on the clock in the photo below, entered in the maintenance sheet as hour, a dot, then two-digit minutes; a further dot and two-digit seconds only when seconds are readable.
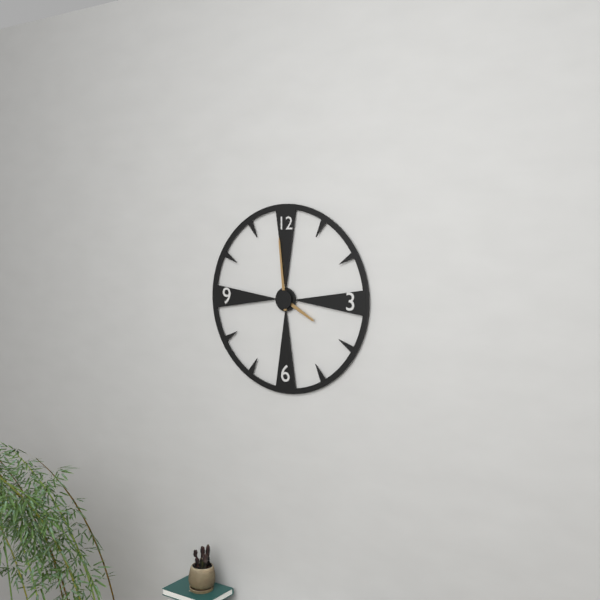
3.59
